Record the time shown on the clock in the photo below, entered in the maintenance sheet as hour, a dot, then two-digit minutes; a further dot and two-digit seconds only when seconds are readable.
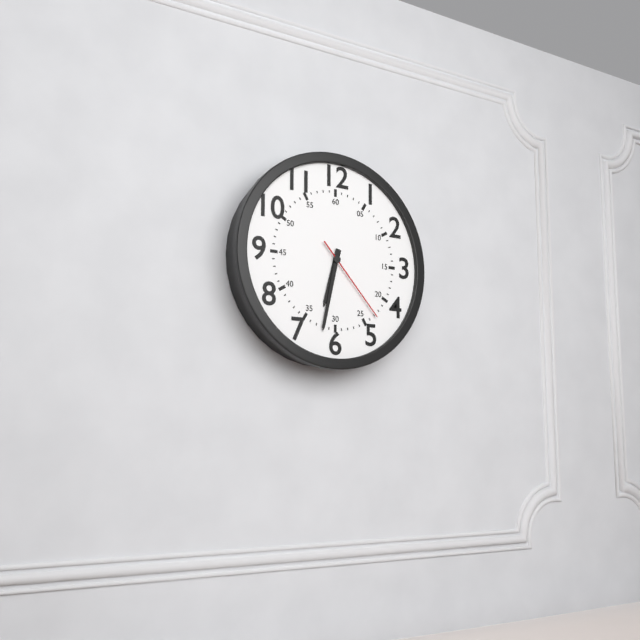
6.32.23
